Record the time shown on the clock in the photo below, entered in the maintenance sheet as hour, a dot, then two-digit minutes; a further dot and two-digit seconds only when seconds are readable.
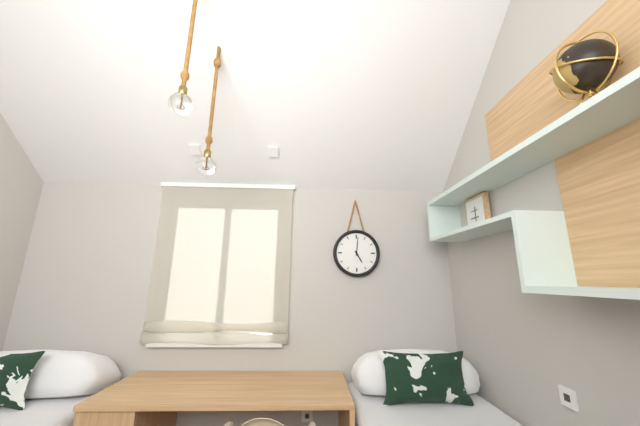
5.01
